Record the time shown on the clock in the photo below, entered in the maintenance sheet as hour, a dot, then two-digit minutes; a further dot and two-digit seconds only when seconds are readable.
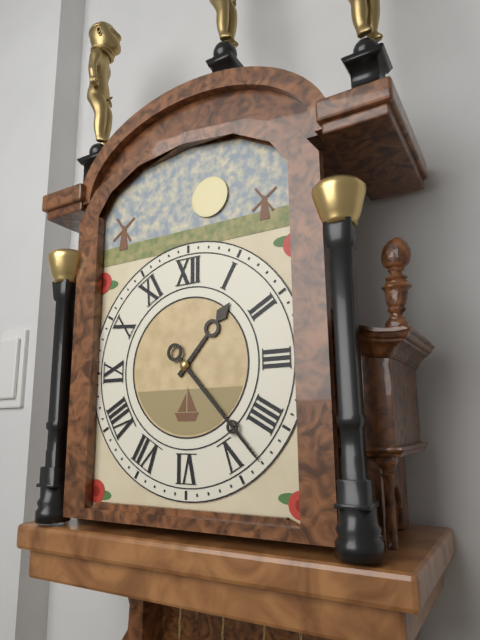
1.23
